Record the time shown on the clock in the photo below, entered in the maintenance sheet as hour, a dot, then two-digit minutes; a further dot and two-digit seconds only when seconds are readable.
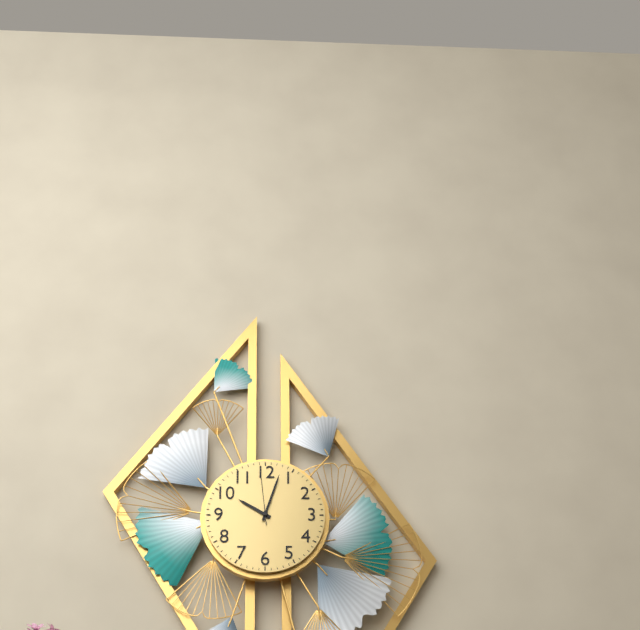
10.03.59
